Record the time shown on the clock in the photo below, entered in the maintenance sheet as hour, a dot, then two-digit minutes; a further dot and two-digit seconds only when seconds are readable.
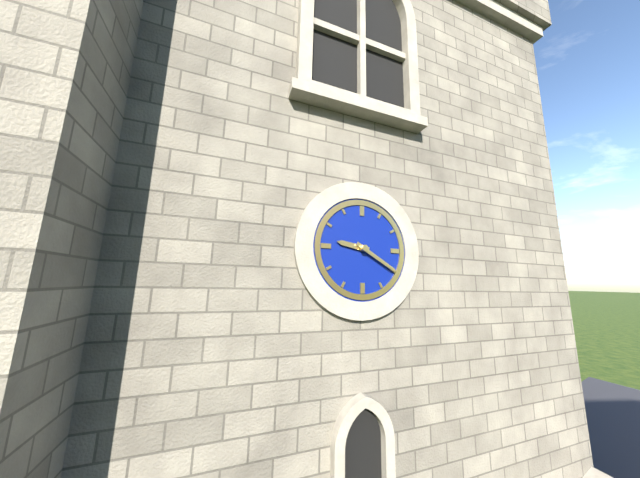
9.20
